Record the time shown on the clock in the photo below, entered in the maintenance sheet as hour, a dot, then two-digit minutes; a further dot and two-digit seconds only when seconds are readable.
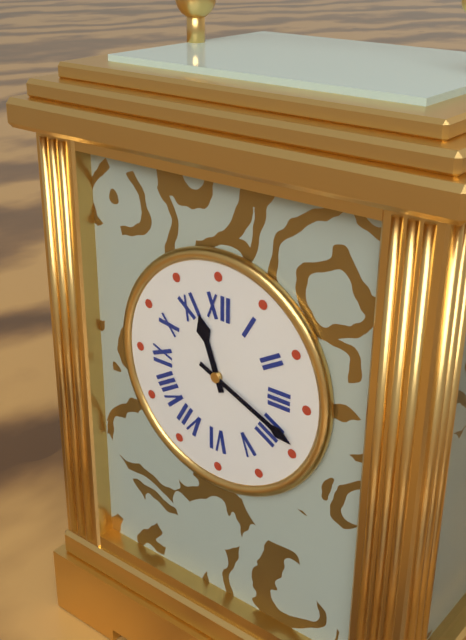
11.19
